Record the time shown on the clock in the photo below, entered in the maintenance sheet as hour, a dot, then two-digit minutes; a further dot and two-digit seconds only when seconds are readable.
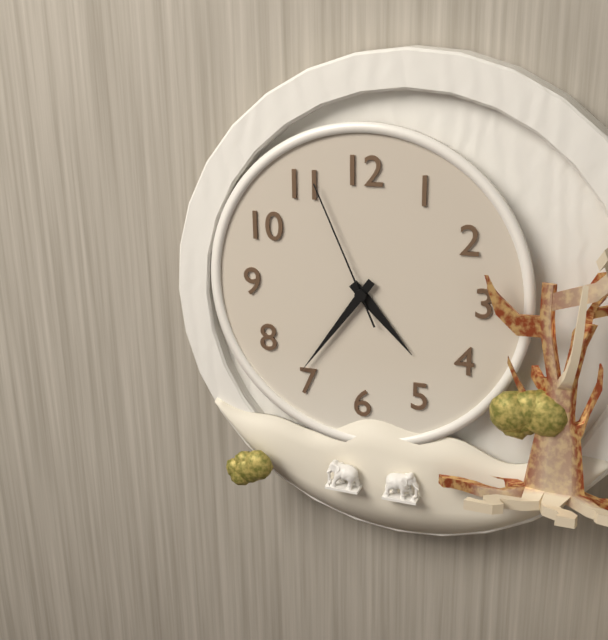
4.36.56
